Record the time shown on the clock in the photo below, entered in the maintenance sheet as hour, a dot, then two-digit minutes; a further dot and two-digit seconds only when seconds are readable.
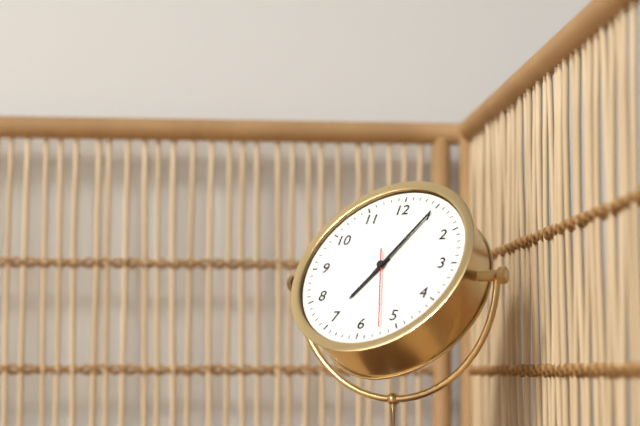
7.05.27
